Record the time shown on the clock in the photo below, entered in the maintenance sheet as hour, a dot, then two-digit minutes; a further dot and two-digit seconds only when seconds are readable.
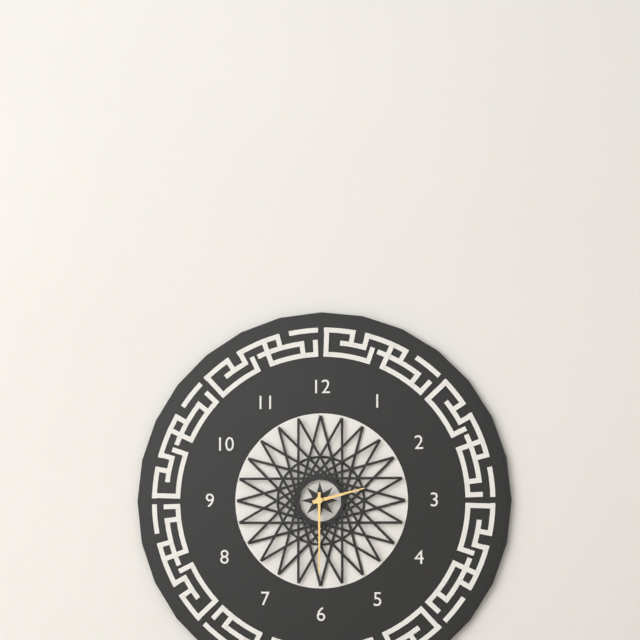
2.30
